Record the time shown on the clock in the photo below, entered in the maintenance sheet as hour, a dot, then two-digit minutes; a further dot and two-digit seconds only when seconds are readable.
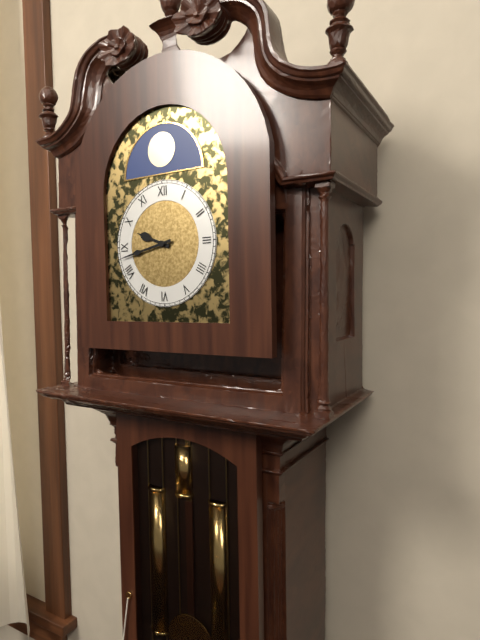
9.43
